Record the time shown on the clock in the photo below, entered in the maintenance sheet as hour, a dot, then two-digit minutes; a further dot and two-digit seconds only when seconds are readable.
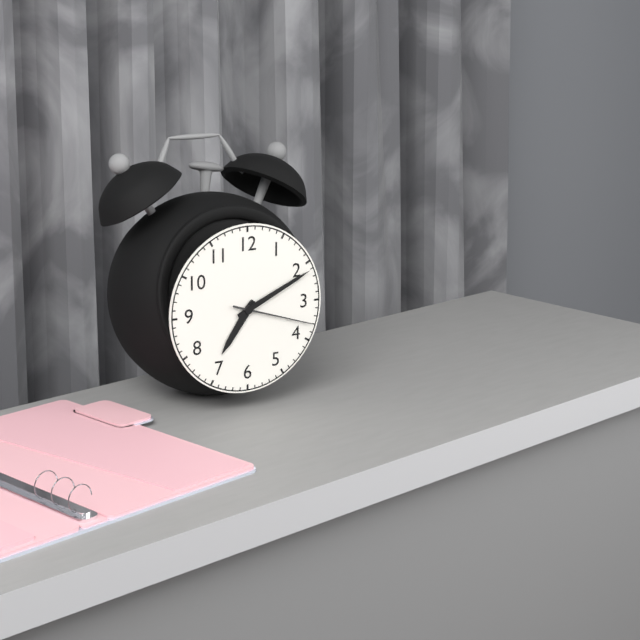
7.11.18
